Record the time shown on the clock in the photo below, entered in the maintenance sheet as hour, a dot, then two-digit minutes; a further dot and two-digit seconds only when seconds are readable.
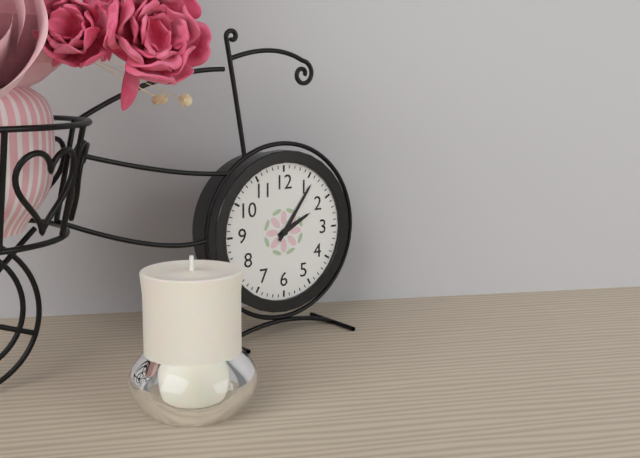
2.06
